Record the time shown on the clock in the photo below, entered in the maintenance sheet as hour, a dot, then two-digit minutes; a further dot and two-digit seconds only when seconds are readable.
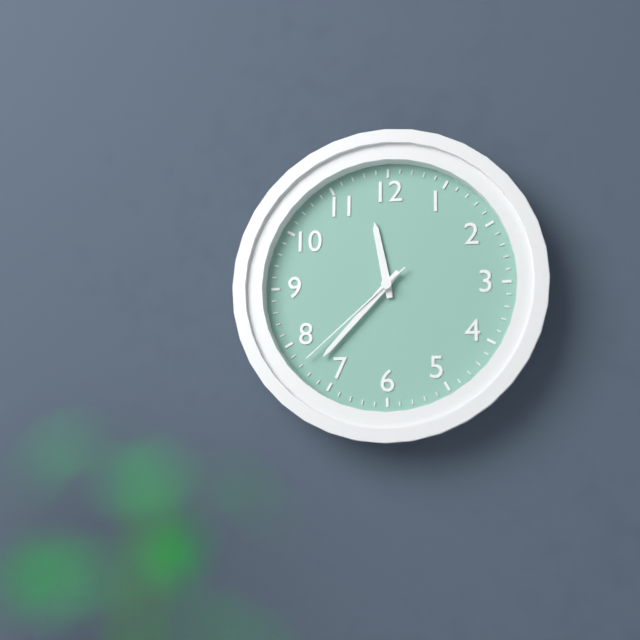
11.37.38
